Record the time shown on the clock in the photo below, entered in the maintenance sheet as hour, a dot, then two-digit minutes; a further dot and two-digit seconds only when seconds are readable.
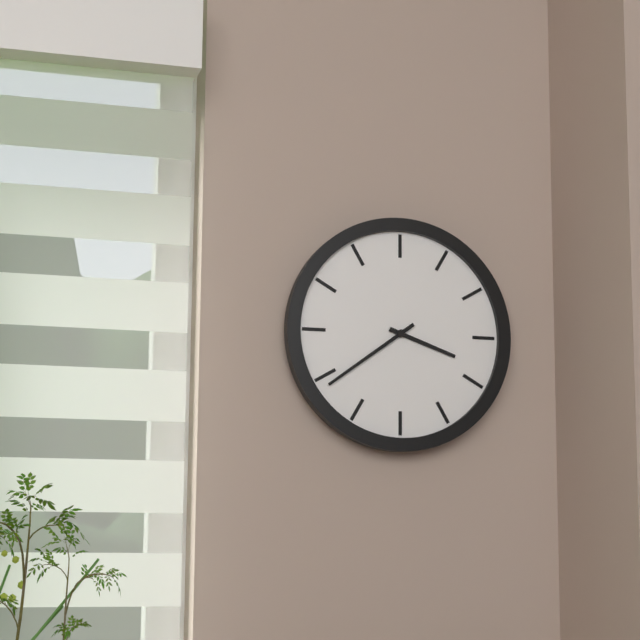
3.39
